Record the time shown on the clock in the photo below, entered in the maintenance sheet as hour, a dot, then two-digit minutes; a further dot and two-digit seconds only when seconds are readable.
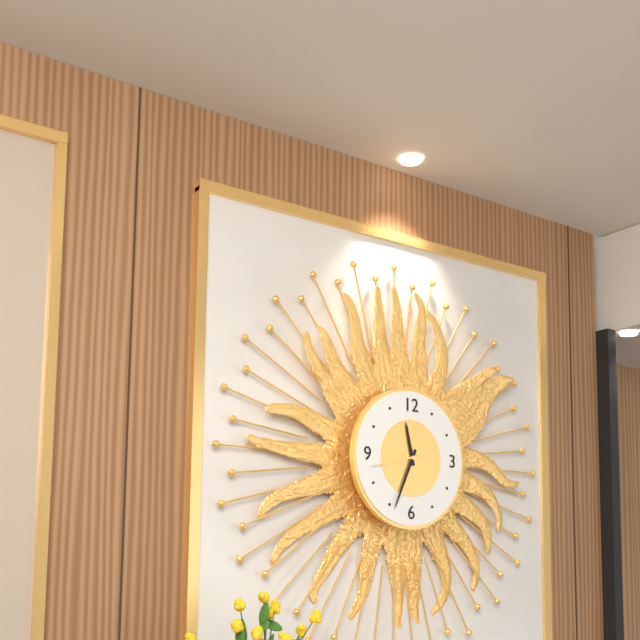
11.34.43
